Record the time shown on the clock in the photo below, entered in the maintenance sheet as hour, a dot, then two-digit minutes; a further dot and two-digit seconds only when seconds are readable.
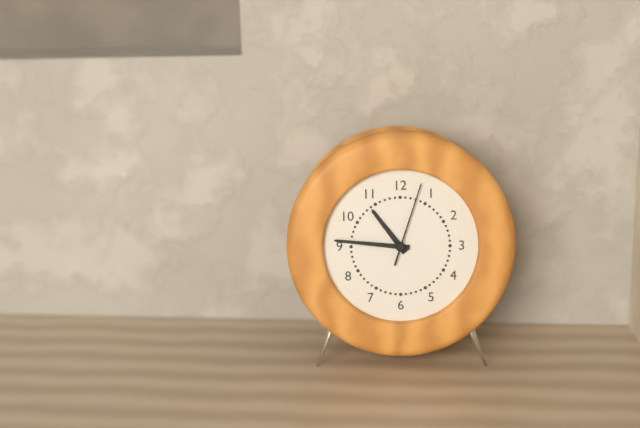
10.46.03
